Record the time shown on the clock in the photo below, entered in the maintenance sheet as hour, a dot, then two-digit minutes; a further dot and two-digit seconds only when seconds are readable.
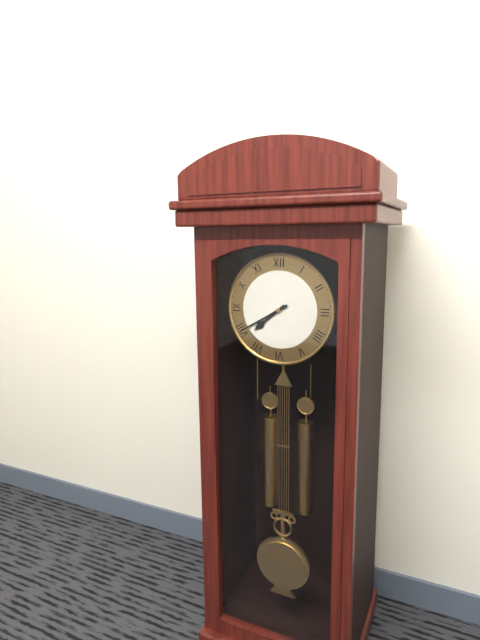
7.40
